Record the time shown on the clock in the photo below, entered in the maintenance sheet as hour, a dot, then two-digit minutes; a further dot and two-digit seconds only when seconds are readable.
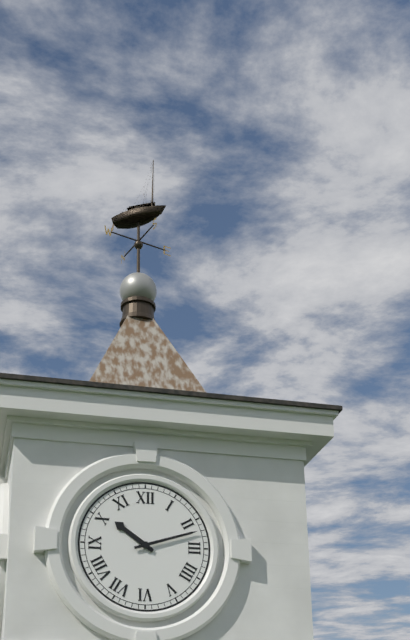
10.12
